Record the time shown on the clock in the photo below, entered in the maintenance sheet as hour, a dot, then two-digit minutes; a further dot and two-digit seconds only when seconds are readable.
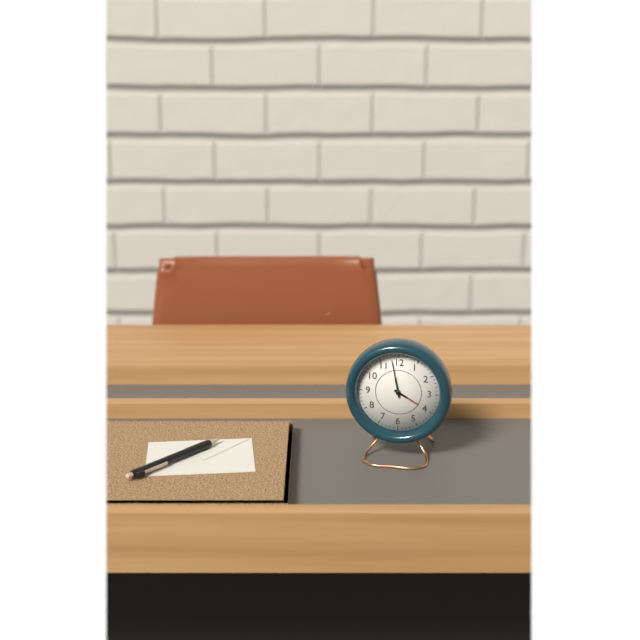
3.58
